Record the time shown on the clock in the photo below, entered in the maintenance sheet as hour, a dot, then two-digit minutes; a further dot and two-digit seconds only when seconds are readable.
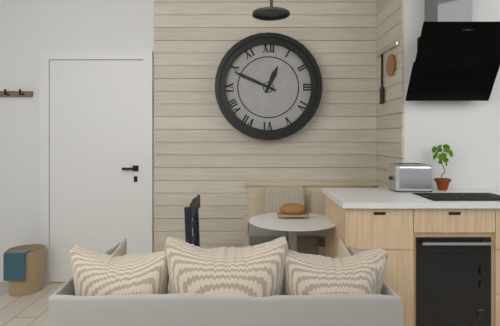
12.49
